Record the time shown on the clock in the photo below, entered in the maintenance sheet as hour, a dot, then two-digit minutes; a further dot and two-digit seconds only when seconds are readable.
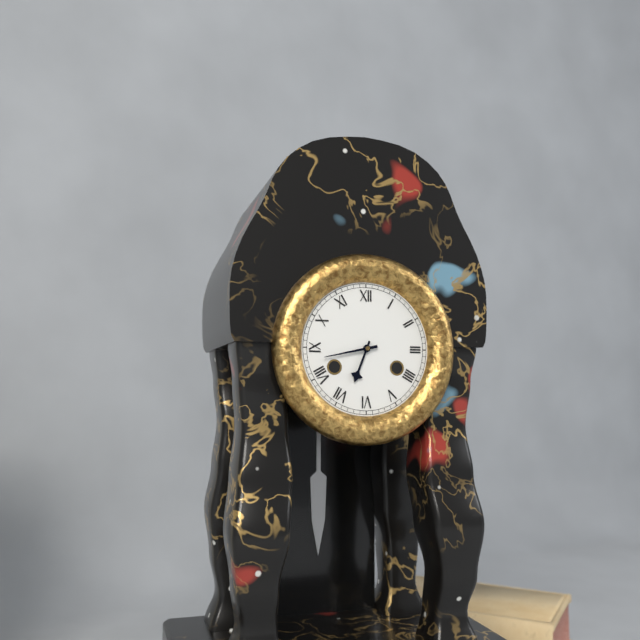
6.43
